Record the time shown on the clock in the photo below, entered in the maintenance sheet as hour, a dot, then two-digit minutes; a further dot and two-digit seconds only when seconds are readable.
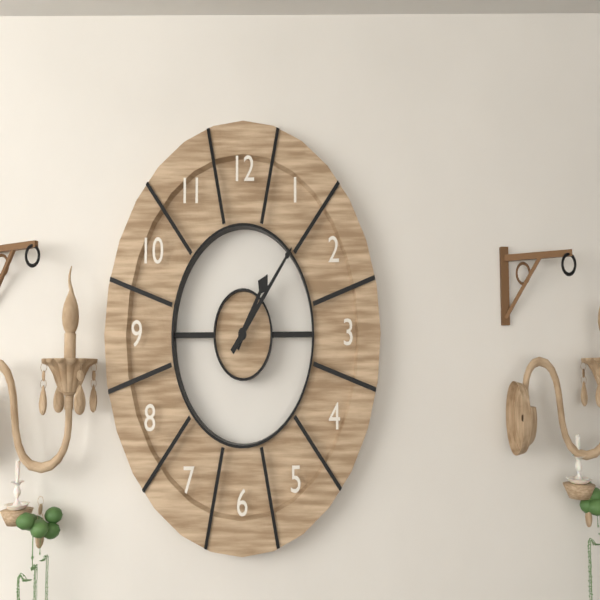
1.07
